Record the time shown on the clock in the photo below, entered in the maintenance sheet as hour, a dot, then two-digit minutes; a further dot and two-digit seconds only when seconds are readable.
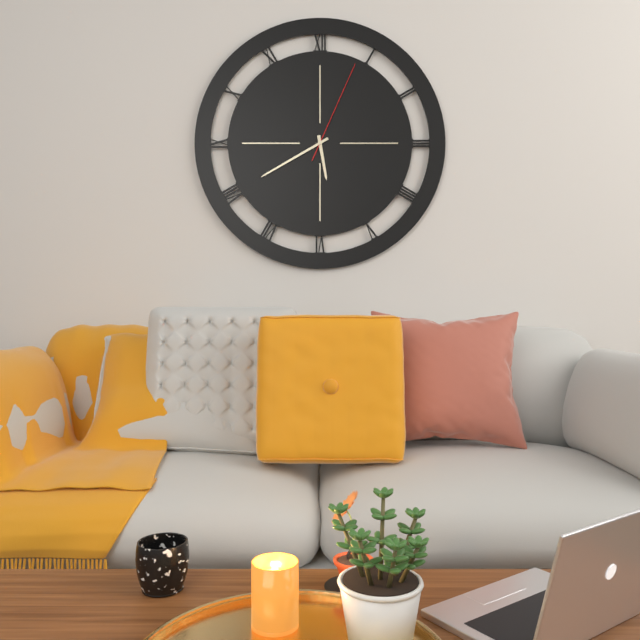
5.40.04
